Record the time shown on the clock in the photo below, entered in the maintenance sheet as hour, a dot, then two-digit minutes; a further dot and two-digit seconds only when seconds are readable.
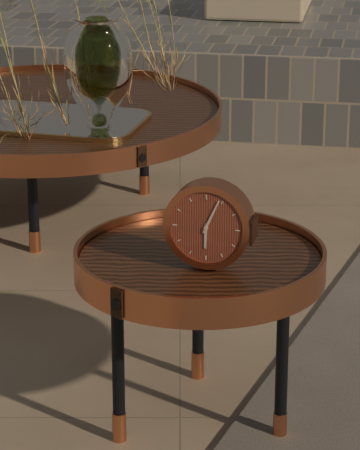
6.04
